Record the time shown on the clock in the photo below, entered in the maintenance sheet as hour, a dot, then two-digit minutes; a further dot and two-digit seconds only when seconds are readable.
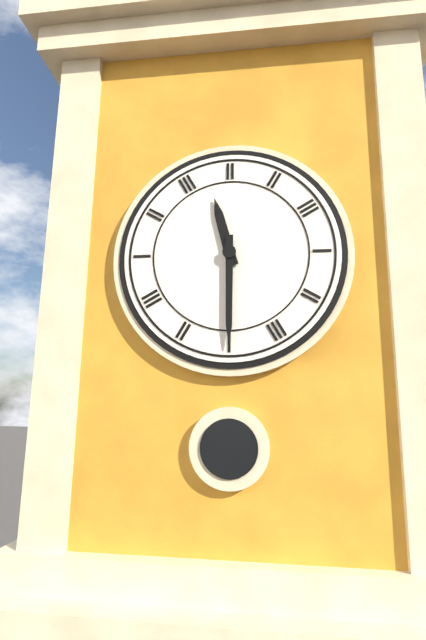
11.30
